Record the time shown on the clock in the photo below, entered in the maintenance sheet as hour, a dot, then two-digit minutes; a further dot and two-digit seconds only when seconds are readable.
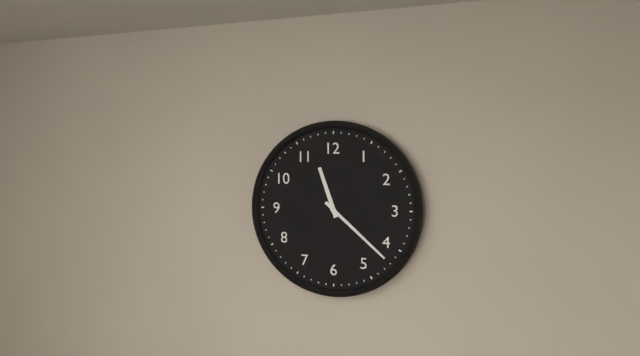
11.22
